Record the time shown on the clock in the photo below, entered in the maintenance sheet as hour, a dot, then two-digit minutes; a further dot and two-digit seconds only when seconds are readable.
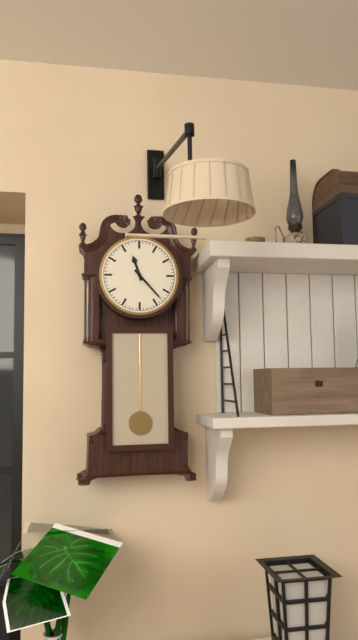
11.23
